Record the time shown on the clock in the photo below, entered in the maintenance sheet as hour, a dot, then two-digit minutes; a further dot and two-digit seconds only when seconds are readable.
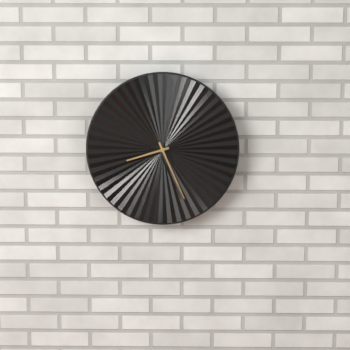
8.26
